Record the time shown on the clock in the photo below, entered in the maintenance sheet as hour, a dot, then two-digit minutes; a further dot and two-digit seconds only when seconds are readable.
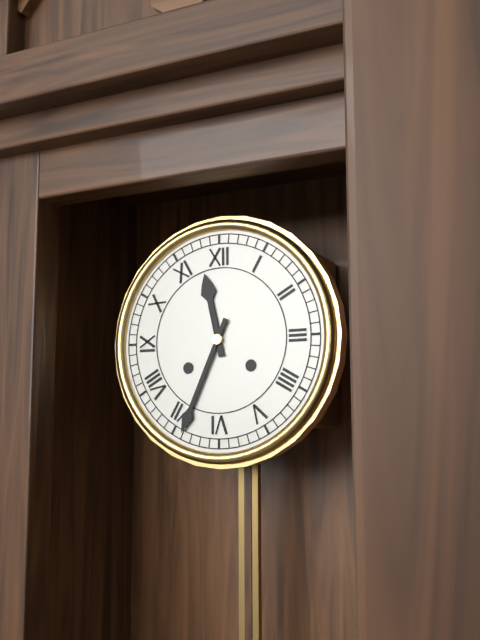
11.34
